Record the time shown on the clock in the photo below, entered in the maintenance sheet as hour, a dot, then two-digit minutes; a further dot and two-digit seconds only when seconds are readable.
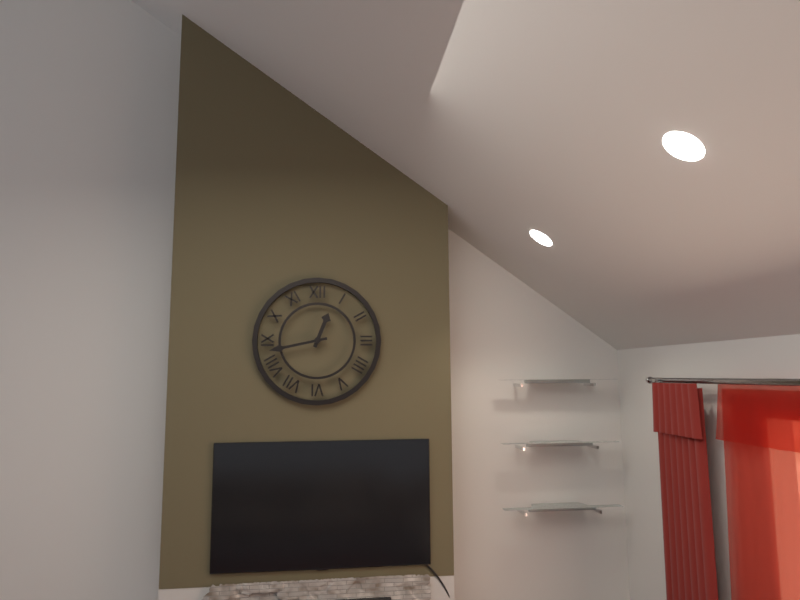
12.43
